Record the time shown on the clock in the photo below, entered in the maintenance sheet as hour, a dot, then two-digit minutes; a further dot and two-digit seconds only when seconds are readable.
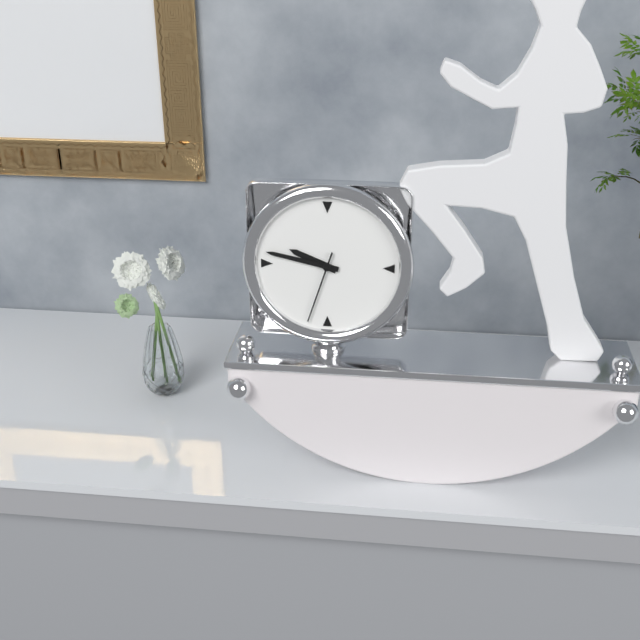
9.47.33
